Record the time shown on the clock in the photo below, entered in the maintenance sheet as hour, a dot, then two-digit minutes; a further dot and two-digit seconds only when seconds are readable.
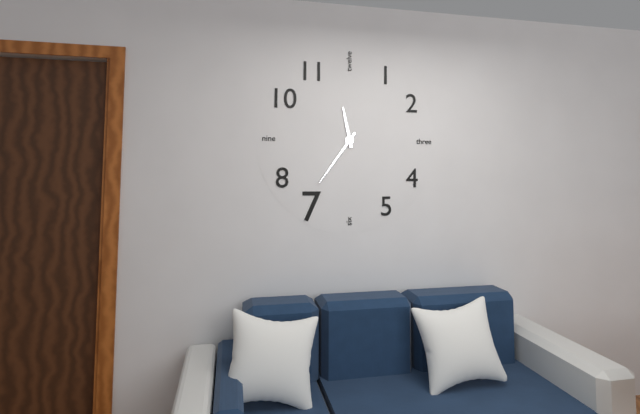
11.36
